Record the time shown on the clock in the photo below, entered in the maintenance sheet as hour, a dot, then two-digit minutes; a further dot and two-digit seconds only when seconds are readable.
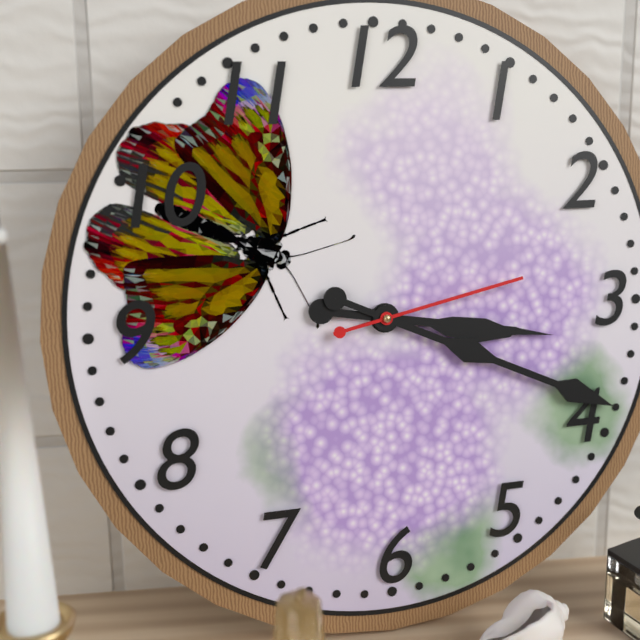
3.19.13
